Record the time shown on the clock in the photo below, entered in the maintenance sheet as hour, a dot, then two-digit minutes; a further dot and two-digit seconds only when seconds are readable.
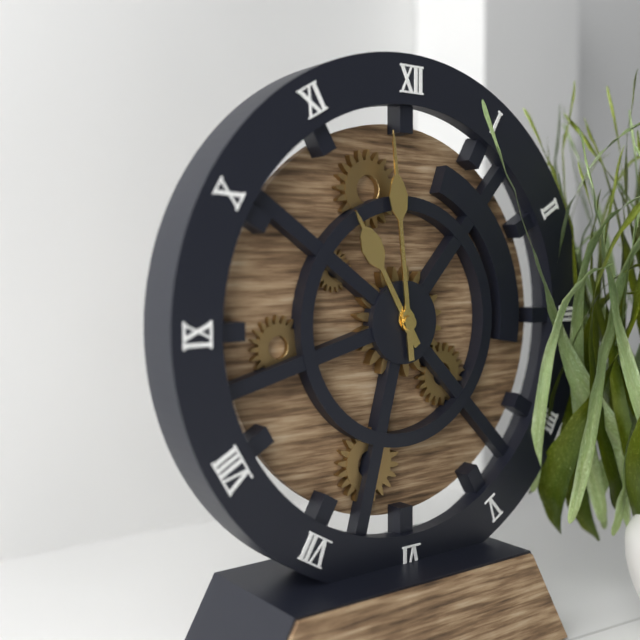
10.59
